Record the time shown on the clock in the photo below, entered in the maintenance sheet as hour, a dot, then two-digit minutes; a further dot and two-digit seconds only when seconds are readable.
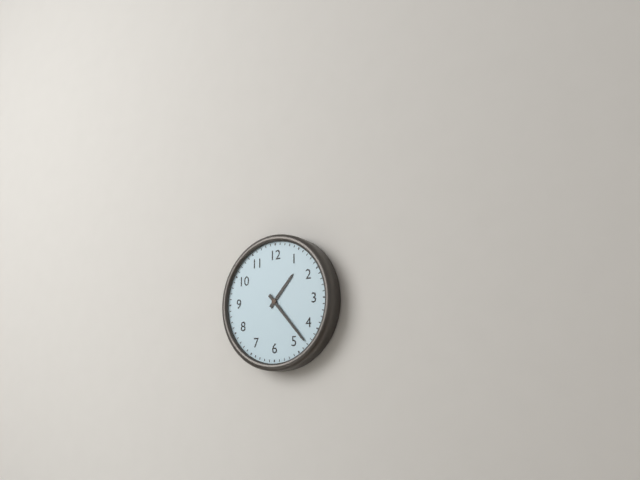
1.23
